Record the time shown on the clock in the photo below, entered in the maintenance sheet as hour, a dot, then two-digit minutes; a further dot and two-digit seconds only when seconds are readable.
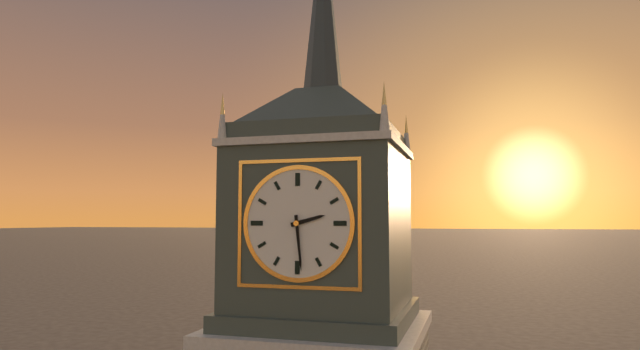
2.29
